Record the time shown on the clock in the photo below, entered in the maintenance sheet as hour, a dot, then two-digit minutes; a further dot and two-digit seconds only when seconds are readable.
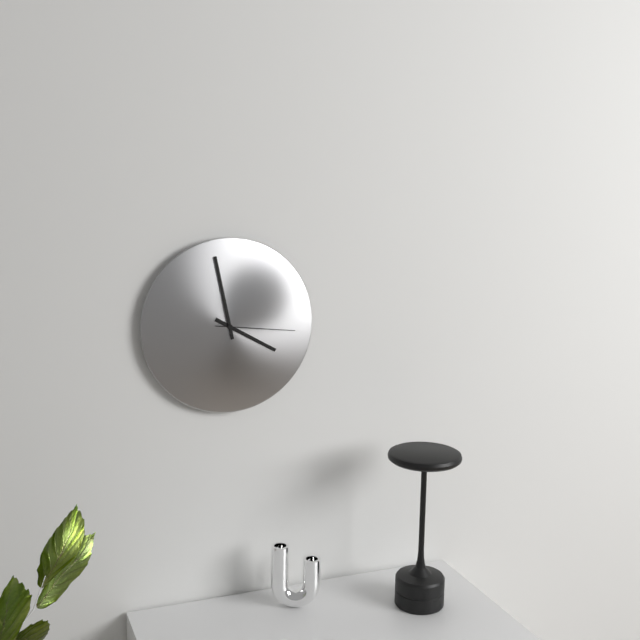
3.58.16
